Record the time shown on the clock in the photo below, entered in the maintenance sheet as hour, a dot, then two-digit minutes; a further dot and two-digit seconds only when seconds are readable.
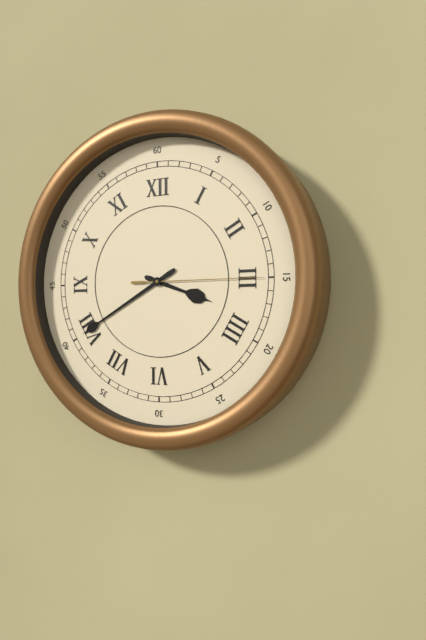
3.40.15
